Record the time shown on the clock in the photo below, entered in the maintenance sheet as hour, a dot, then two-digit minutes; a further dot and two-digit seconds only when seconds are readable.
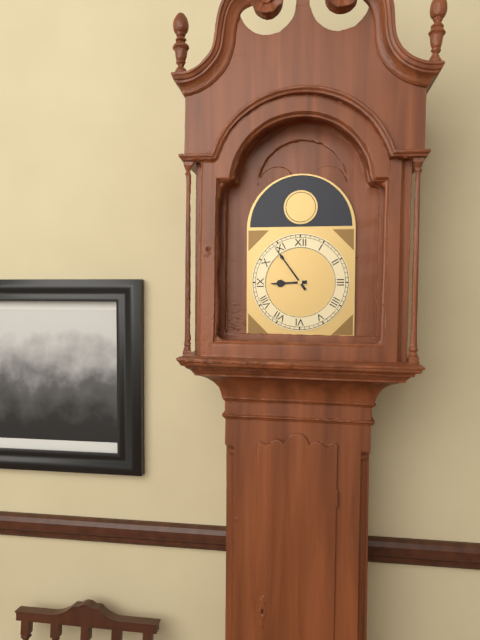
8.54
